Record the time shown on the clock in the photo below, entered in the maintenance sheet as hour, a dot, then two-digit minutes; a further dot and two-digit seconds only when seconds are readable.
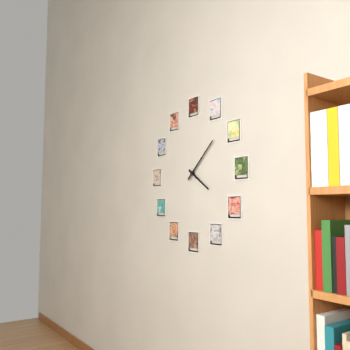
4.08
